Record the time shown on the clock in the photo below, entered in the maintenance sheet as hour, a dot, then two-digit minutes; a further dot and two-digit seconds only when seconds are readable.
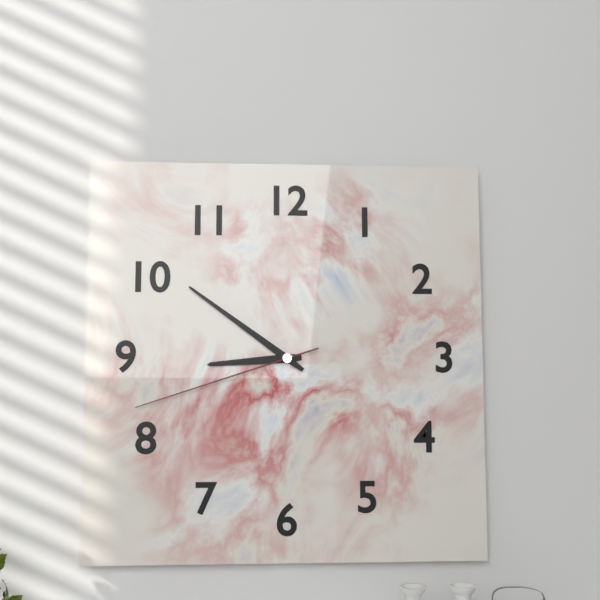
8.51.42
